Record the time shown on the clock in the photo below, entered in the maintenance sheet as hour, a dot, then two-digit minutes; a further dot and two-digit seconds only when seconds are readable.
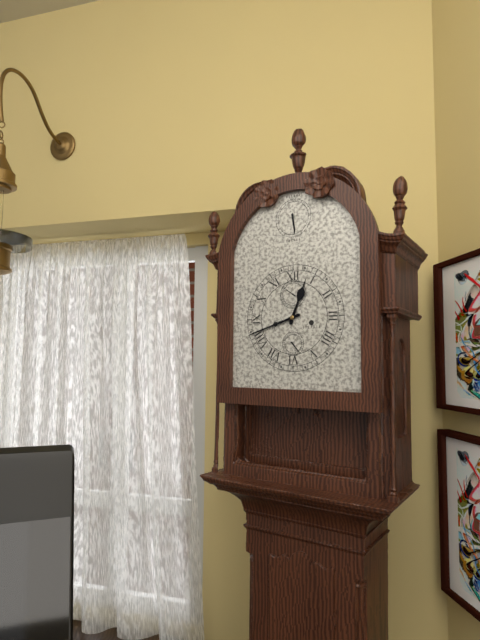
12.42
